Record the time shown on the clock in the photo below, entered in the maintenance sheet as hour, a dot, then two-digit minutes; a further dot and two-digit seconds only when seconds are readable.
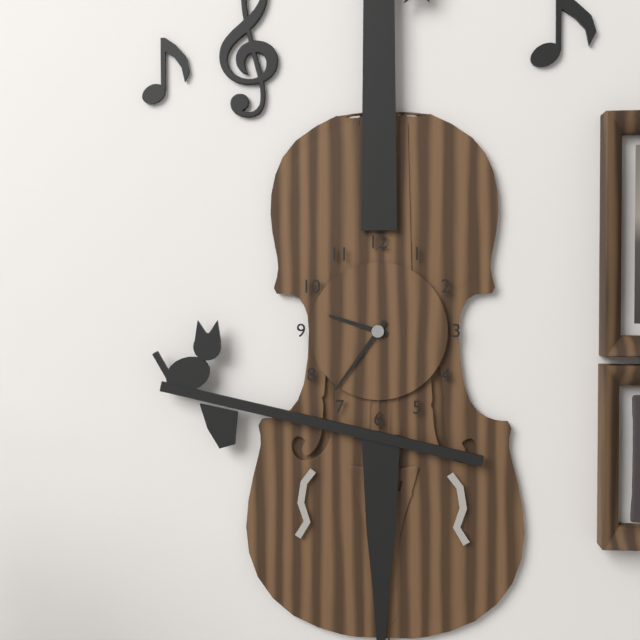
9.36
